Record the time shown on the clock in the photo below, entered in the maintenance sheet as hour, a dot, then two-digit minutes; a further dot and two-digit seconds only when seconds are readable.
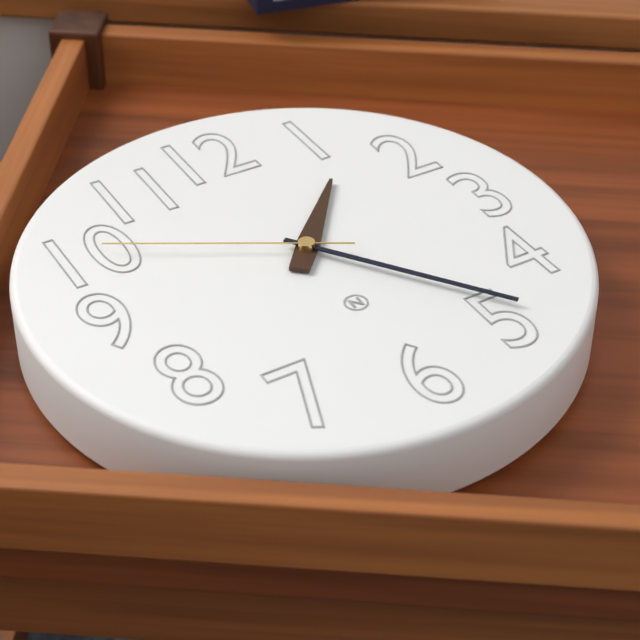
1.24.50
